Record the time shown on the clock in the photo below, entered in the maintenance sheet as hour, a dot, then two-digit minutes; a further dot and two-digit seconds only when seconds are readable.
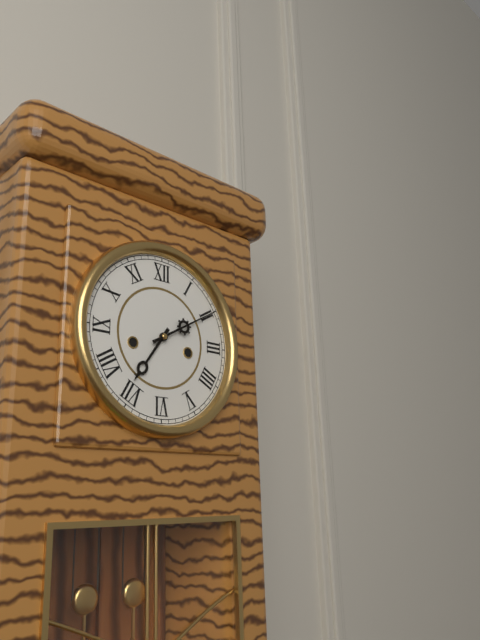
7.10
